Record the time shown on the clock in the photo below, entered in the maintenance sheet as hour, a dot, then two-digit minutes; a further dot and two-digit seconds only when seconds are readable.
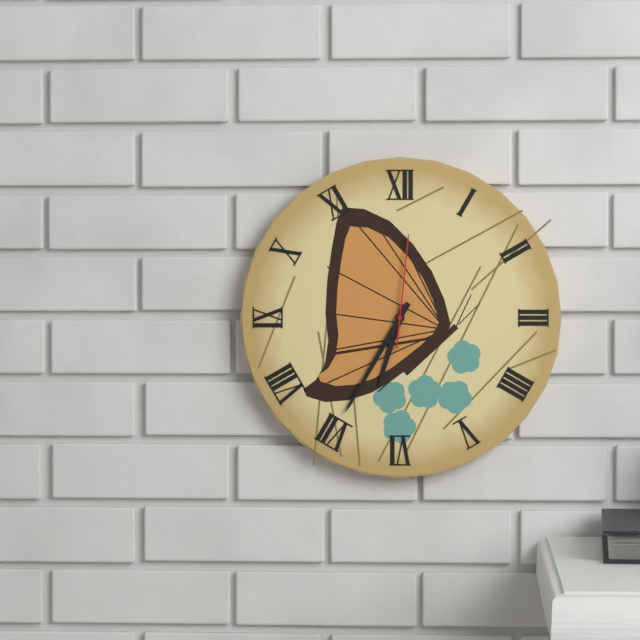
6.35.01
